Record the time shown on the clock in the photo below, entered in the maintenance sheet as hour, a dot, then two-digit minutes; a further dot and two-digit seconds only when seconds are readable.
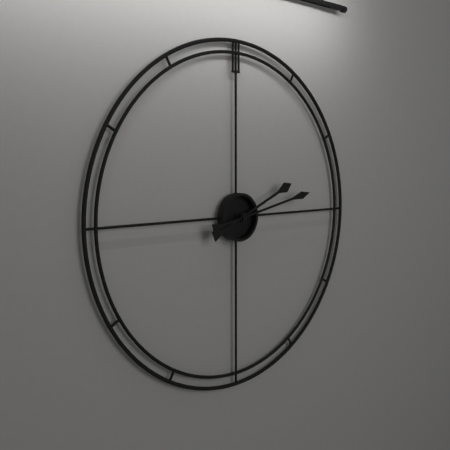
2.13
